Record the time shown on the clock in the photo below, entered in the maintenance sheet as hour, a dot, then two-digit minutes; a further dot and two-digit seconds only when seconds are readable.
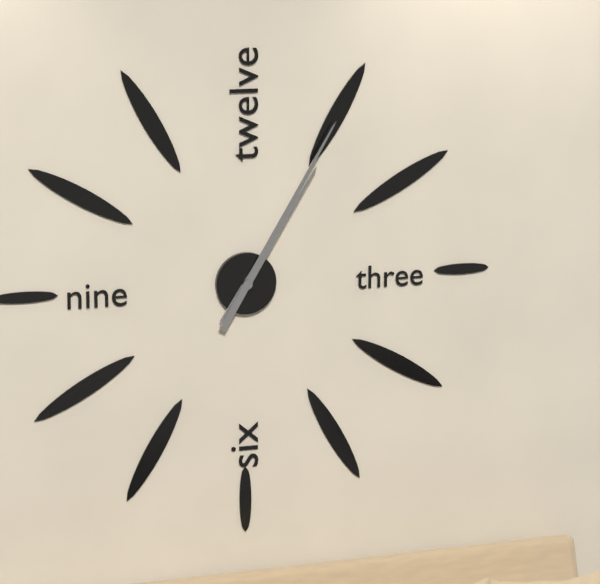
1.05
